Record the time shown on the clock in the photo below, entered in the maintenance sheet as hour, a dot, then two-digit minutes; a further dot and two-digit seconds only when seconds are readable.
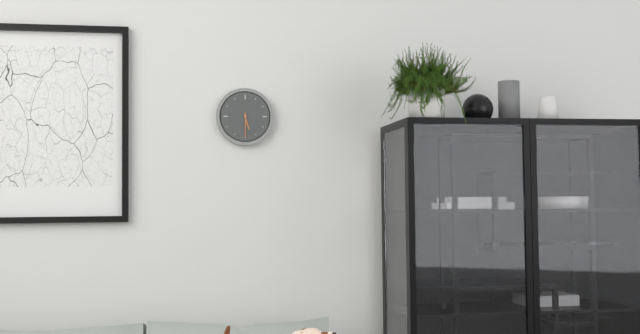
5.30
